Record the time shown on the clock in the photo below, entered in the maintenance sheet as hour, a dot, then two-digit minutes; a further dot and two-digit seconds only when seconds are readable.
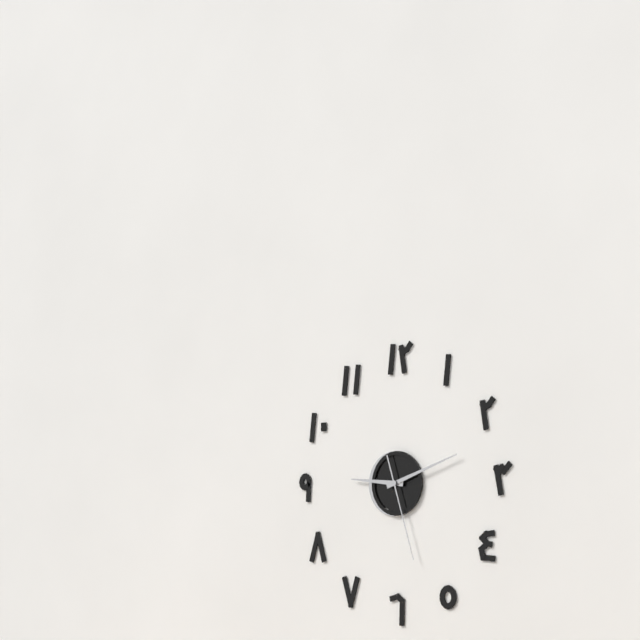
9.12.27
